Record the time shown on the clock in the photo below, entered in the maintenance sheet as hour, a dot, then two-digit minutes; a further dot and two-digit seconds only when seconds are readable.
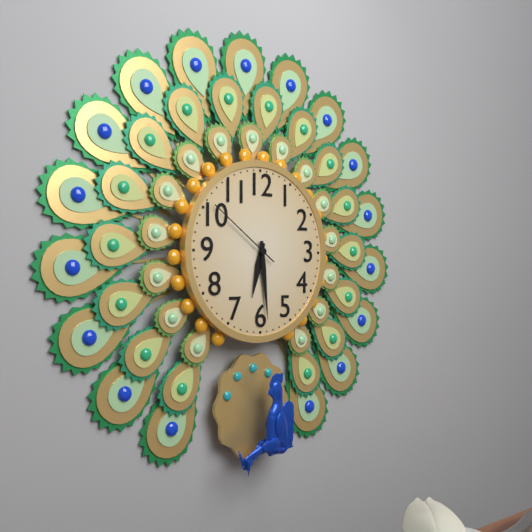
6.29.51
